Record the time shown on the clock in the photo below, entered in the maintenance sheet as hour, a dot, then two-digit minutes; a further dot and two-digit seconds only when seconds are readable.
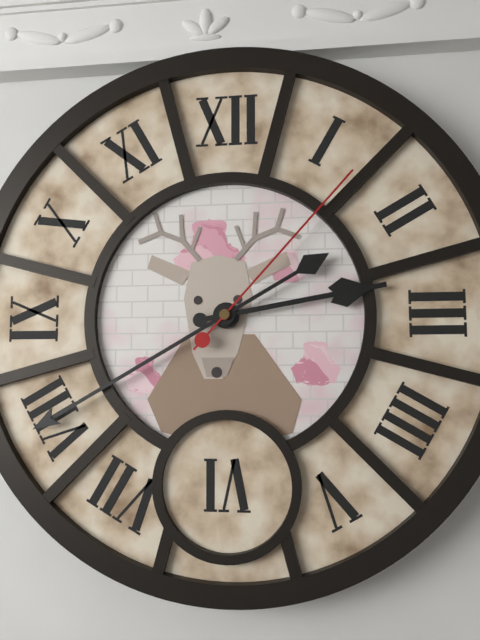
2.40.07
